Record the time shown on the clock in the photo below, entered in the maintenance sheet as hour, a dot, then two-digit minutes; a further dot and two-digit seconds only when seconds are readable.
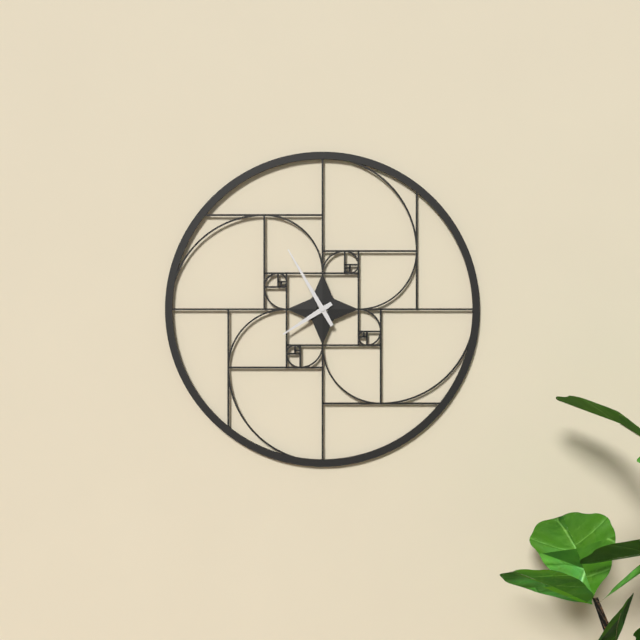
7.55
